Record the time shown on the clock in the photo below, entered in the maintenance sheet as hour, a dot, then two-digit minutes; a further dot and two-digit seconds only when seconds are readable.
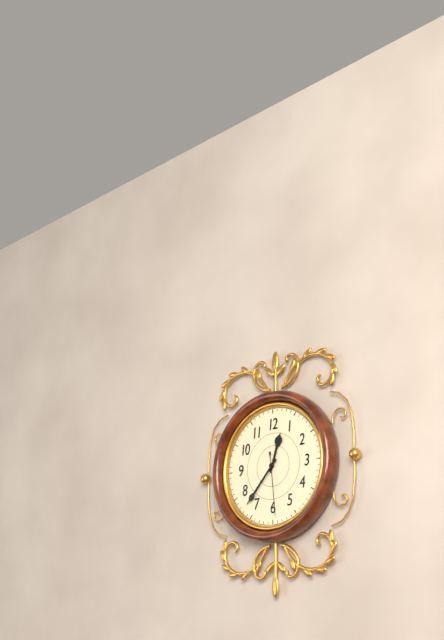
12.37.29
